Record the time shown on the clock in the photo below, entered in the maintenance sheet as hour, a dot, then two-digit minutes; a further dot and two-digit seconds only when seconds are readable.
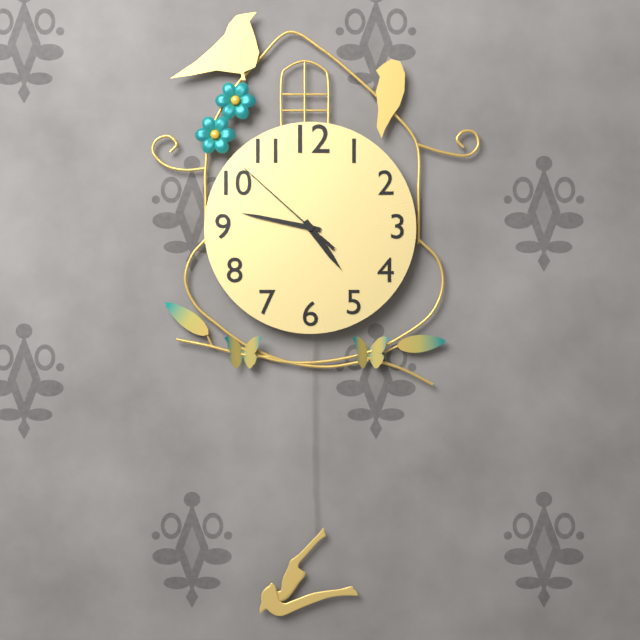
4.47.52
